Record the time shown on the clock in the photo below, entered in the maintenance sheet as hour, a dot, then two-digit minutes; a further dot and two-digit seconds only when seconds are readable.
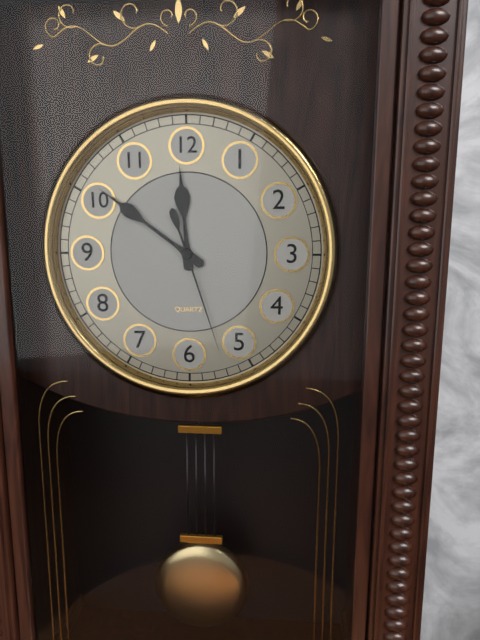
11.51.27
